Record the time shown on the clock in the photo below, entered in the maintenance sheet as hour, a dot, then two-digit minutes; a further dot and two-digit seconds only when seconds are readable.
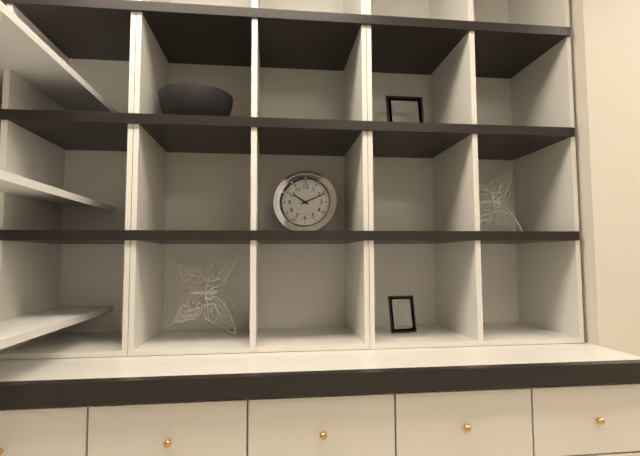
10.11
